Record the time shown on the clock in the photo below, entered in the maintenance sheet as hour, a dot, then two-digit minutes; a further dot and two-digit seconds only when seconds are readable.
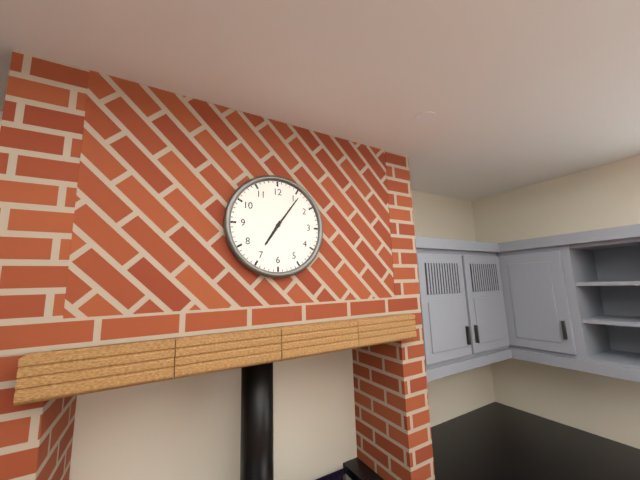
7.06
